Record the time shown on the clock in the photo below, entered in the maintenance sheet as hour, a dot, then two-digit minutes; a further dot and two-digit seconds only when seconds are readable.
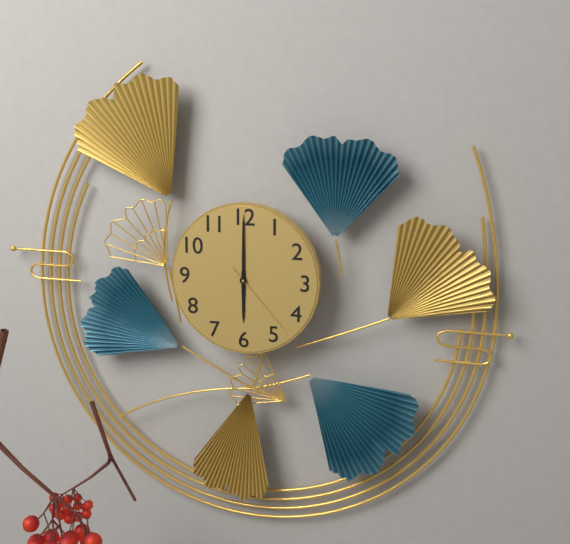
6.00.23
